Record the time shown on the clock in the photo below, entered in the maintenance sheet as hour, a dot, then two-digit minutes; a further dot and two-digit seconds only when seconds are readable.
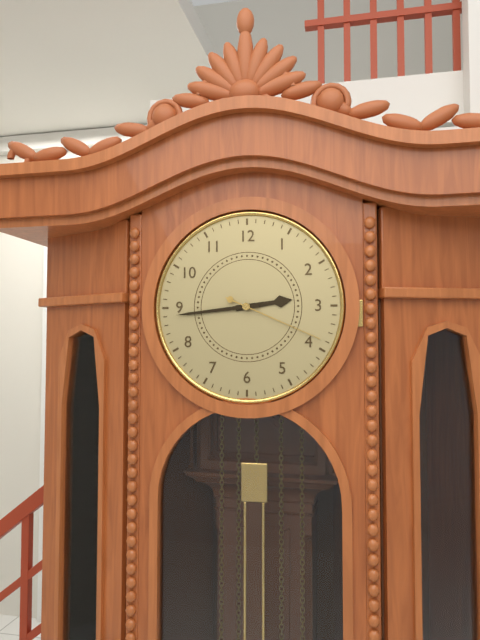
2.44.19
